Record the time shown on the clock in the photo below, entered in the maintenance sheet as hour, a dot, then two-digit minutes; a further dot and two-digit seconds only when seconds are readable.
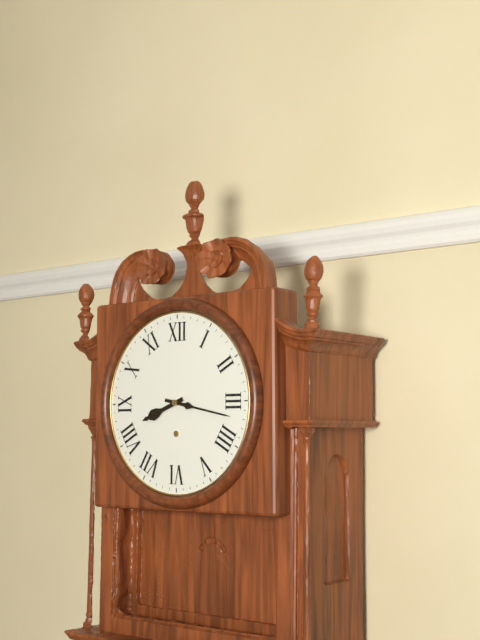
8.17
